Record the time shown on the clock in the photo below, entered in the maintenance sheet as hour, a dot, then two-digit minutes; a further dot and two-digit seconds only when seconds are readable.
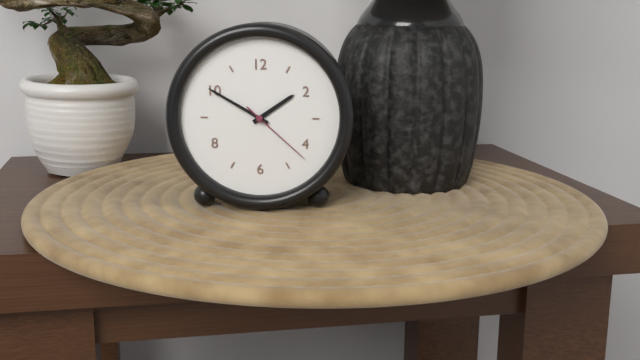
1.50.22
